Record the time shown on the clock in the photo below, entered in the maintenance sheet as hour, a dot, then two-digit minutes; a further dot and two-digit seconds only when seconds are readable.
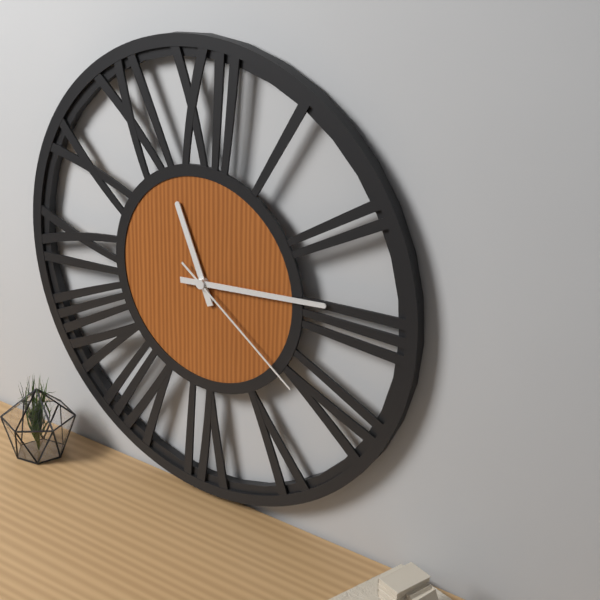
11.14.21
